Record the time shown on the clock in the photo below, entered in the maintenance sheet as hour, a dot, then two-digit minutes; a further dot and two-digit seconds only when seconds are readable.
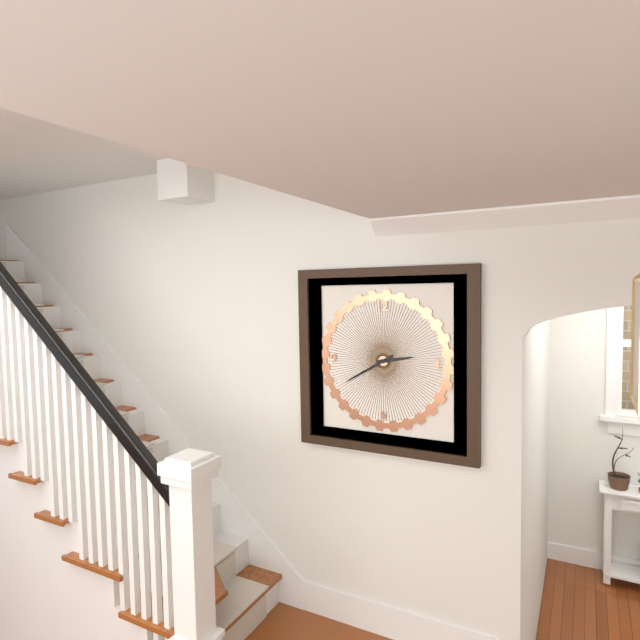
2.40
